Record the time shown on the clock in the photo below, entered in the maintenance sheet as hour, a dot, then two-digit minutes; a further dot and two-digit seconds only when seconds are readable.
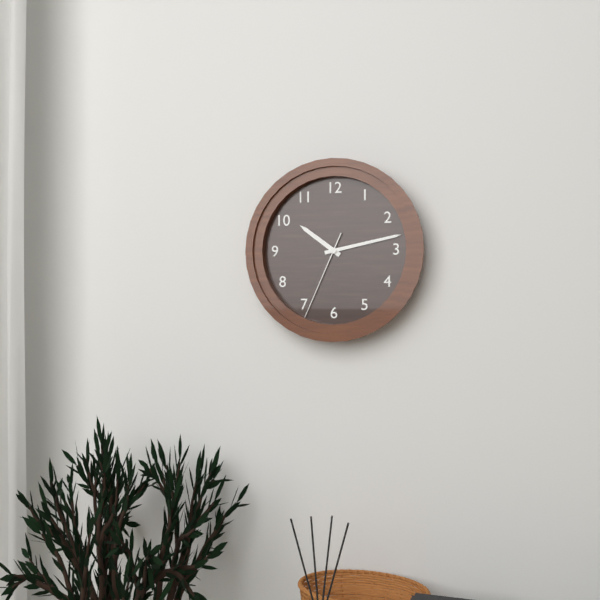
10.13.34
